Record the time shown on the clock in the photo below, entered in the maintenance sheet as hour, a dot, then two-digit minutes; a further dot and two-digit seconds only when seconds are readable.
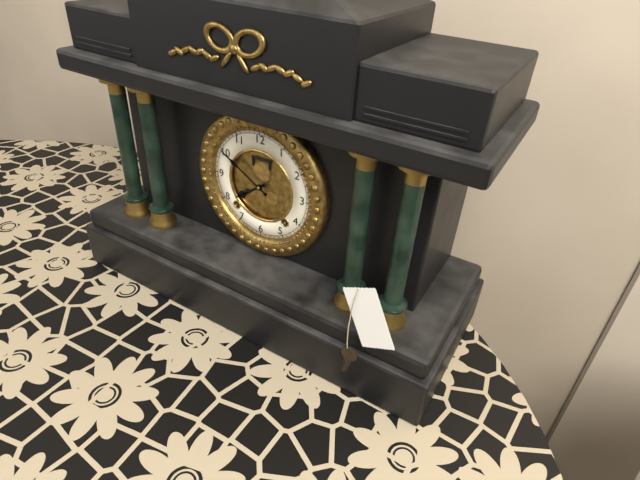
7.50
